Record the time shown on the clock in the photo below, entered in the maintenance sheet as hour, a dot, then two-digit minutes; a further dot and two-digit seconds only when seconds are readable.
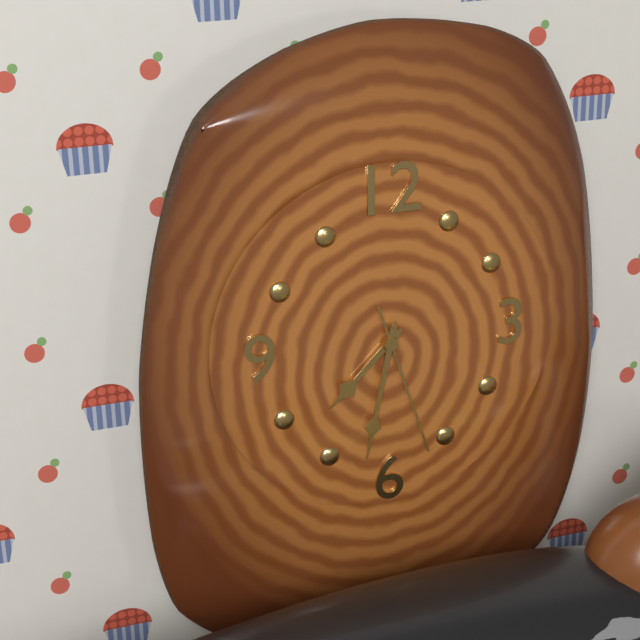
7.32.27
